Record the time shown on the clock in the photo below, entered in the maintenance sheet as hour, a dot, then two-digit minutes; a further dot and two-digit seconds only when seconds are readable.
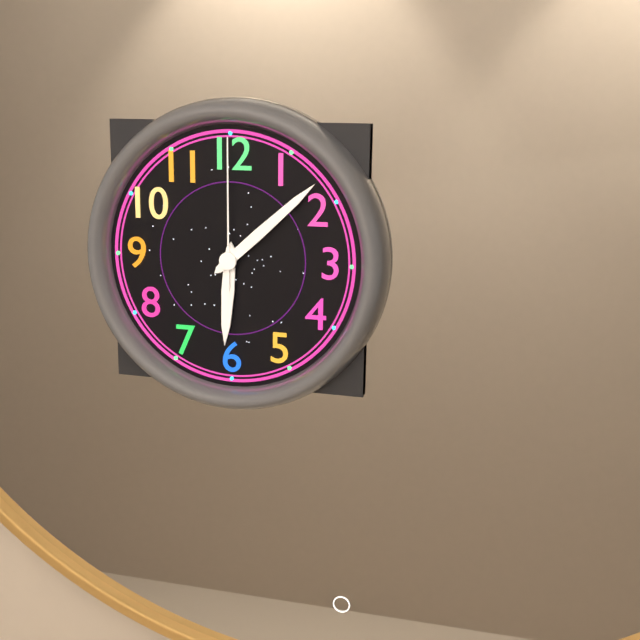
6.08.00
